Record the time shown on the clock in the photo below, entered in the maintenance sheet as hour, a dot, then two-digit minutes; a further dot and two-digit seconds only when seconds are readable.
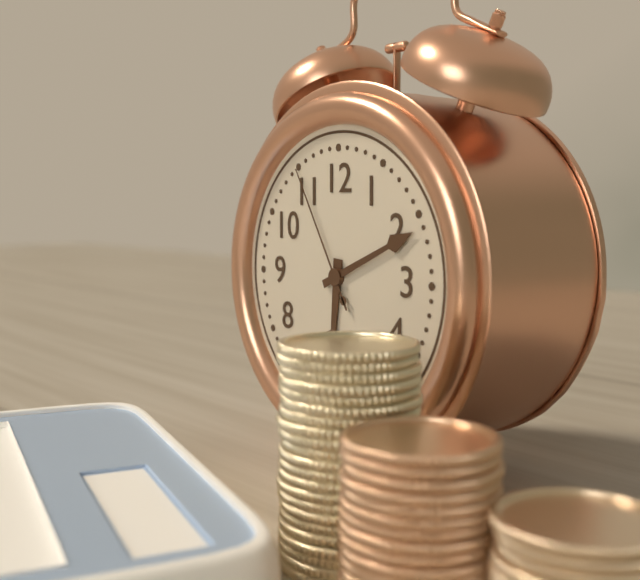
6.11.55
